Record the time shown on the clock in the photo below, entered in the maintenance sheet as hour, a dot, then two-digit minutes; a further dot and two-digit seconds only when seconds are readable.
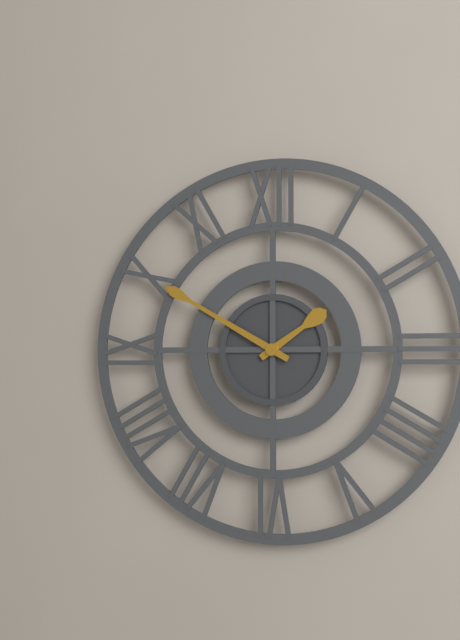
1.50
